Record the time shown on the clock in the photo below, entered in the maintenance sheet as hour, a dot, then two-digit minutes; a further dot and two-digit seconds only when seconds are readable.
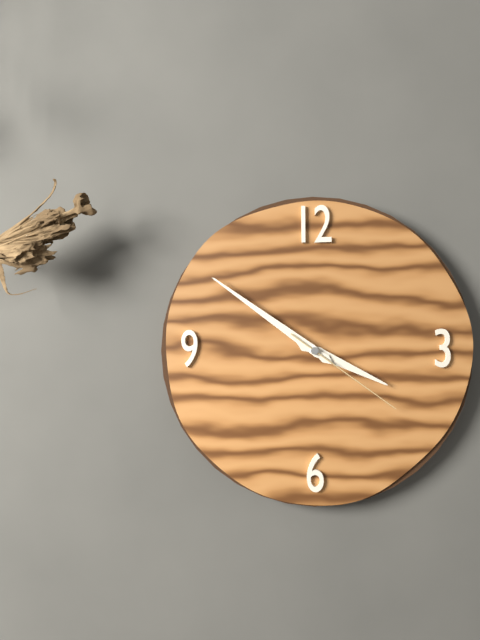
3.51.21
